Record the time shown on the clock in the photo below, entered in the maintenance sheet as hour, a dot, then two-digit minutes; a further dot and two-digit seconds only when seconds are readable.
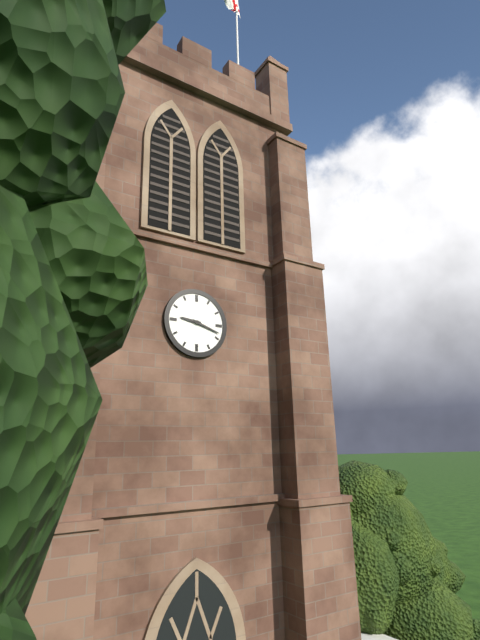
9.18
